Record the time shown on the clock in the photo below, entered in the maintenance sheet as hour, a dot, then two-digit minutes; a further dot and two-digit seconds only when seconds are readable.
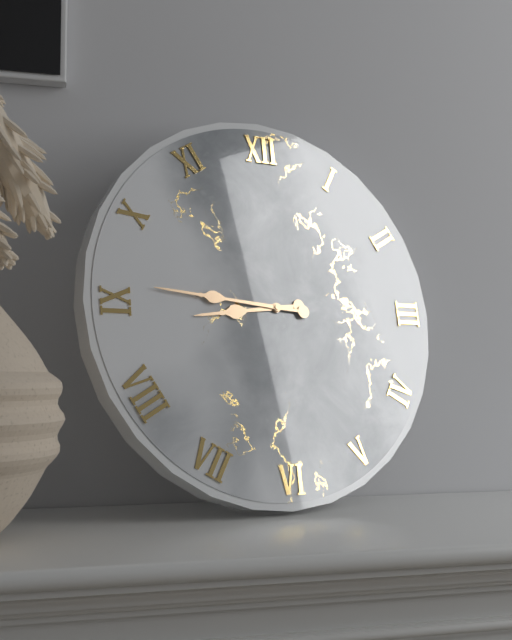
8.46
